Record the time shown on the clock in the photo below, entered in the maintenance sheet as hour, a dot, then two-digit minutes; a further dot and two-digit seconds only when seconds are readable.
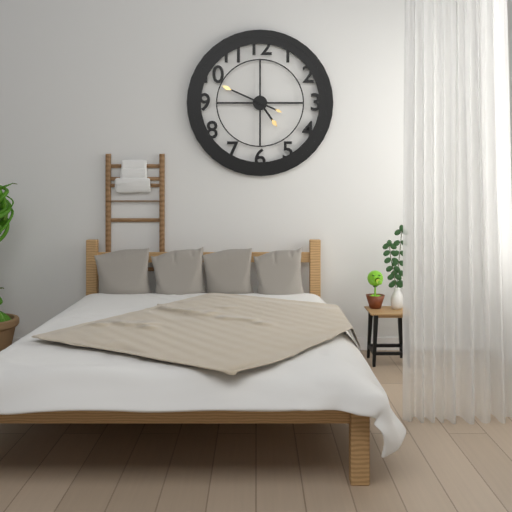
4.49
